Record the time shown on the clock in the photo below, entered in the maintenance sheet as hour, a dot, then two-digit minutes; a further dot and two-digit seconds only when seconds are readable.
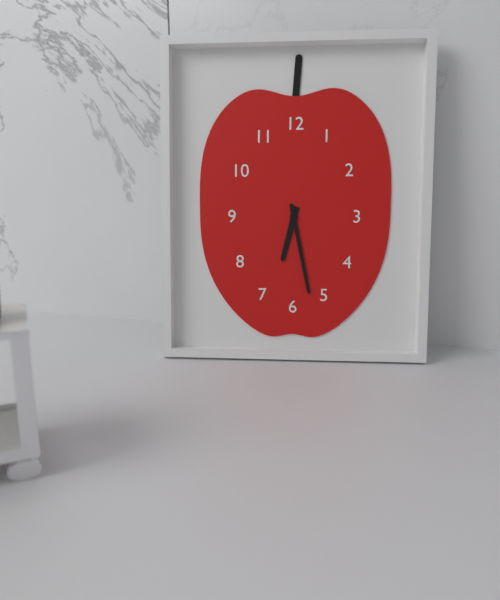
6.28
